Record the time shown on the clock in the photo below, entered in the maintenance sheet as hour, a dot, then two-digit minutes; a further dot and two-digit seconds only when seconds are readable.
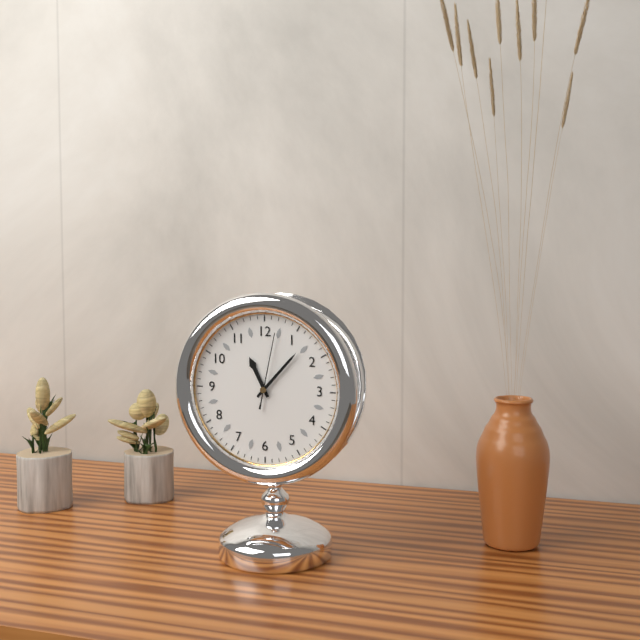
11.07.02
